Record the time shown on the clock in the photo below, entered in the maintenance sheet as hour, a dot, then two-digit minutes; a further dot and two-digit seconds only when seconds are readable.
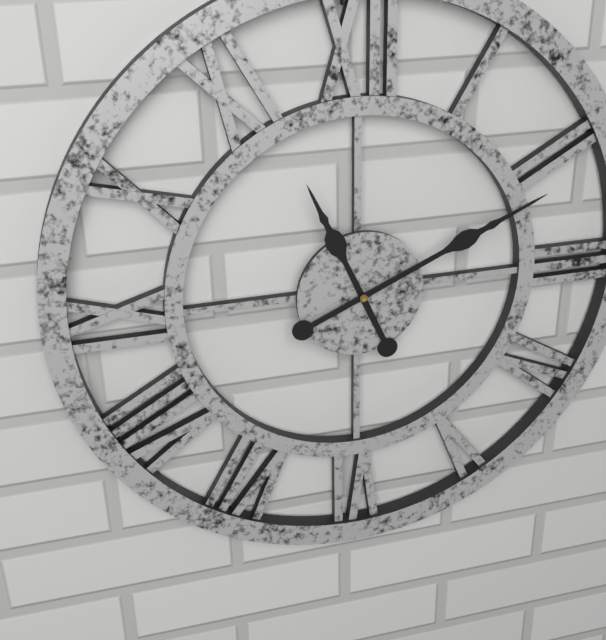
11.11
